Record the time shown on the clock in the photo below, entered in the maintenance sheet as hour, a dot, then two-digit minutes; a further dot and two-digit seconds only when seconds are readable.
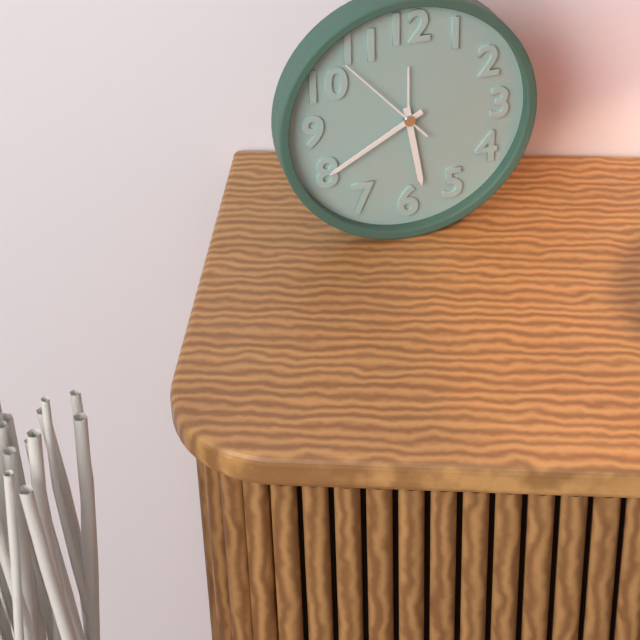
5.40.53
